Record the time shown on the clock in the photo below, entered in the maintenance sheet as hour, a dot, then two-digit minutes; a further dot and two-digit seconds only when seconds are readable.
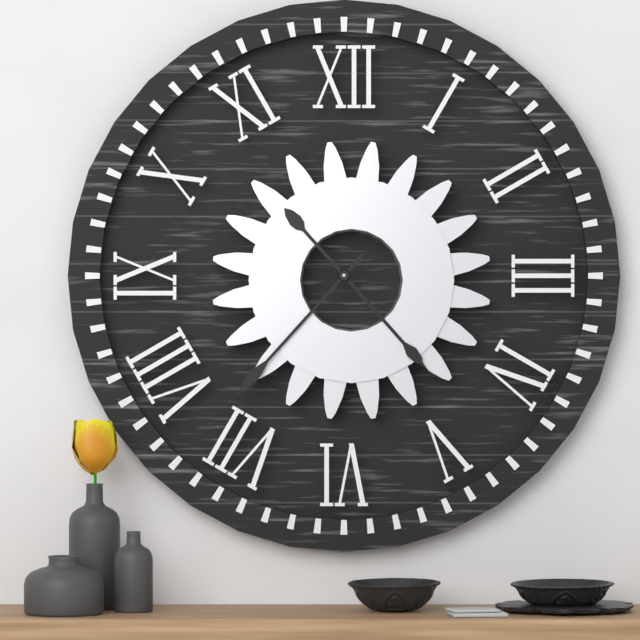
4.37
